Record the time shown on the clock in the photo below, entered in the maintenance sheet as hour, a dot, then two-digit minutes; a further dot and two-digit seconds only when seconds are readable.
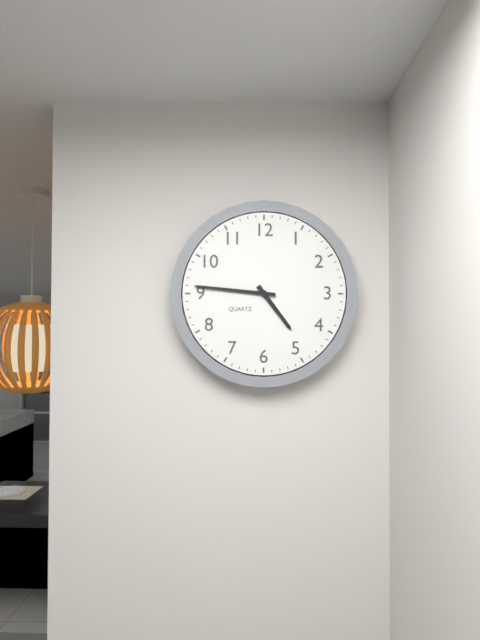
4.46
